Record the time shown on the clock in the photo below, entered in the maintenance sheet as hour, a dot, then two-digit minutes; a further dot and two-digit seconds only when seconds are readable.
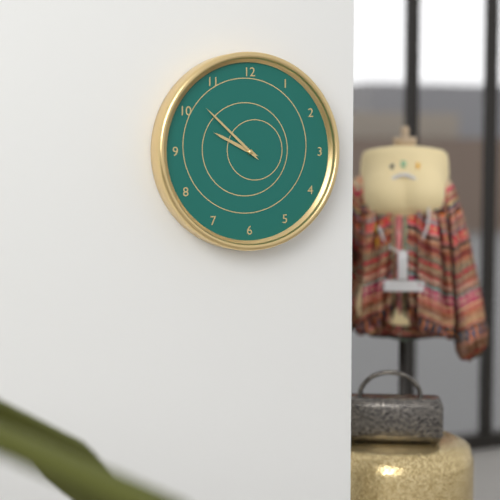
9.52
